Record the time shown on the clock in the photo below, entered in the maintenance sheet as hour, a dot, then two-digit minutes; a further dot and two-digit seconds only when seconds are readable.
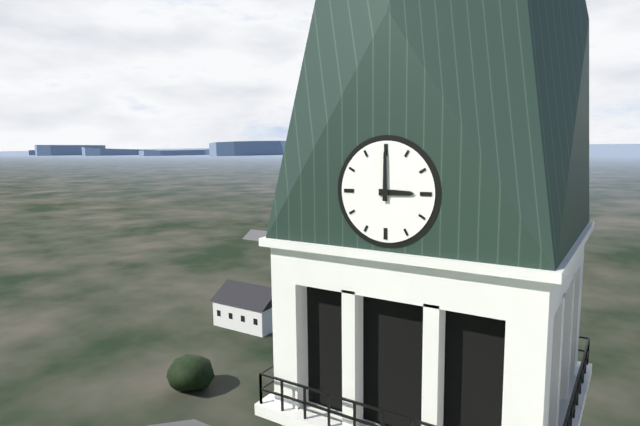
3.00
